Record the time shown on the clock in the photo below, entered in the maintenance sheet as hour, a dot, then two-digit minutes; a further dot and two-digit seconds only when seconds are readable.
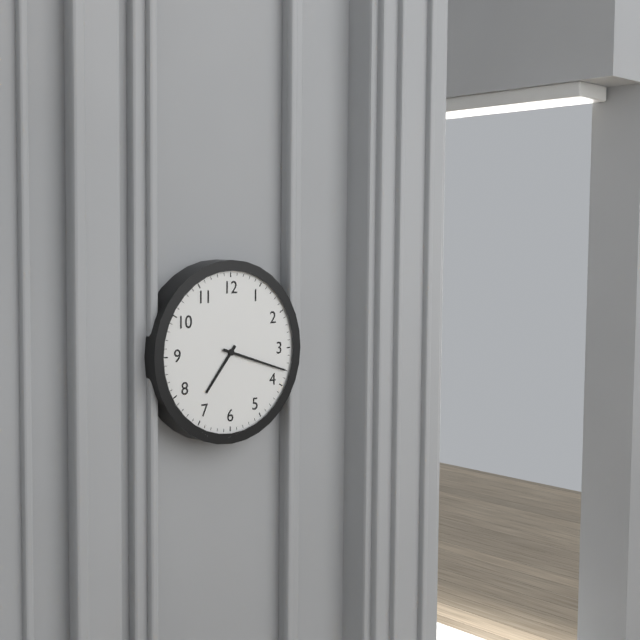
7.18
